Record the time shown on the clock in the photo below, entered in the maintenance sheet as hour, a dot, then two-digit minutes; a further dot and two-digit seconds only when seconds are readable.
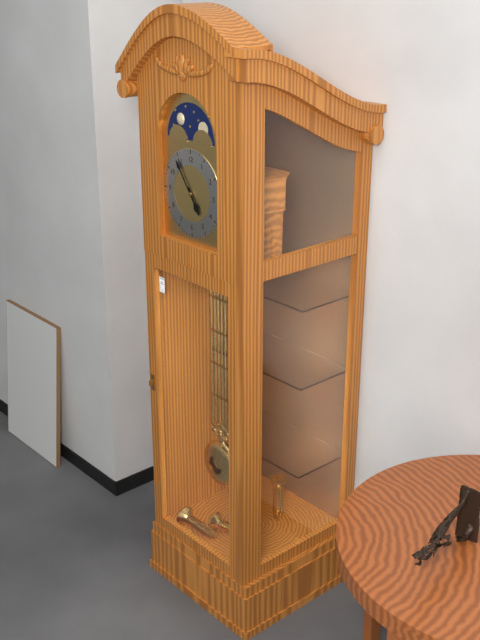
4.54
